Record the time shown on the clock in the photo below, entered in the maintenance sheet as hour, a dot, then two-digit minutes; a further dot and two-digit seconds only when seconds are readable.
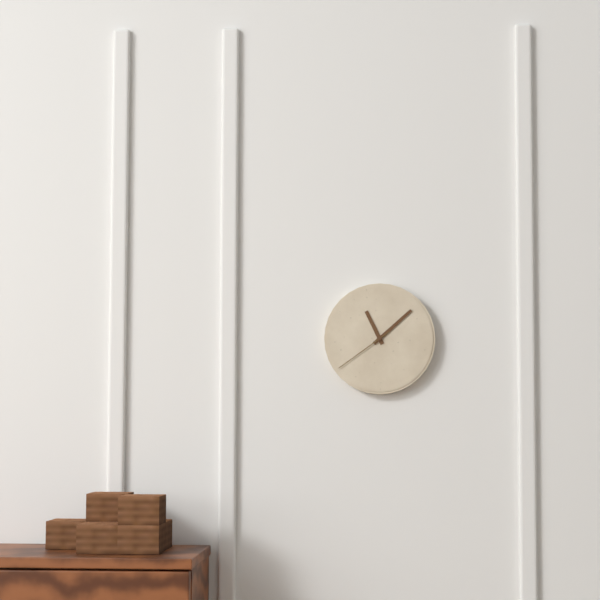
11.08.39
